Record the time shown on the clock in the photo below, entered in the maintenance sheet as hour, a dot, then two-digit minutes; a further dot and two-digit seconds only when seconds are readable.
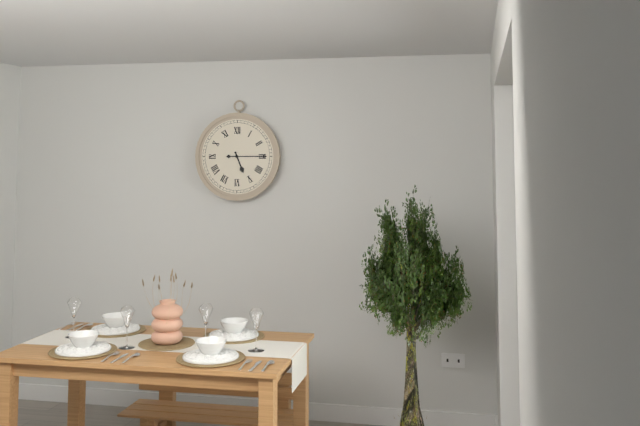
5.15
